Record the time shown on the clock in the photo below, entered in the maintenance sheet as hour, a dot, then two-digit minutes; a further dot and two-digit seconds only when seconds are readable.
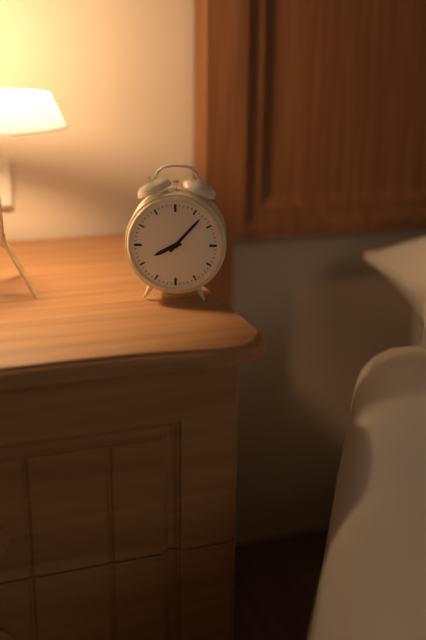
8.07
